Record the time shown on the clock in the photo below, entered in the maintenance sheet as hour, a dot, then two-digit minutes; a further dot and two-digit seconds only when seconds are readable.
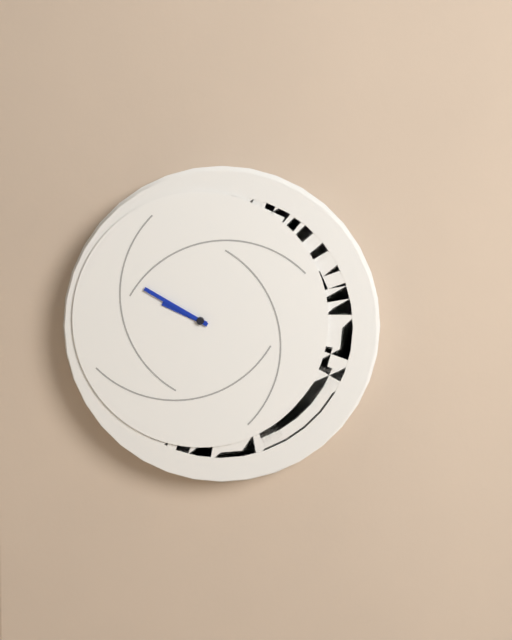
9.50
